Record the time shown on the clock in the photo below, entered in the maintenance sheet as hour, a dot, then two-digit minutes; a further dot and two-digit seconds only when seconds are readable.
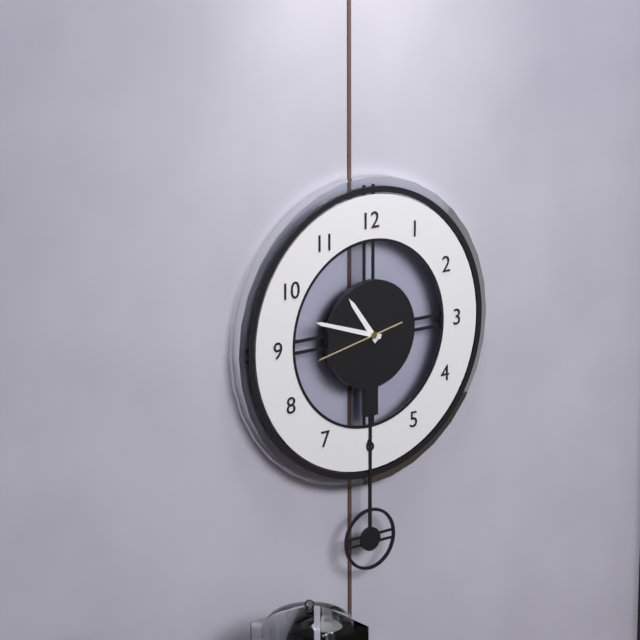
10.48.43
